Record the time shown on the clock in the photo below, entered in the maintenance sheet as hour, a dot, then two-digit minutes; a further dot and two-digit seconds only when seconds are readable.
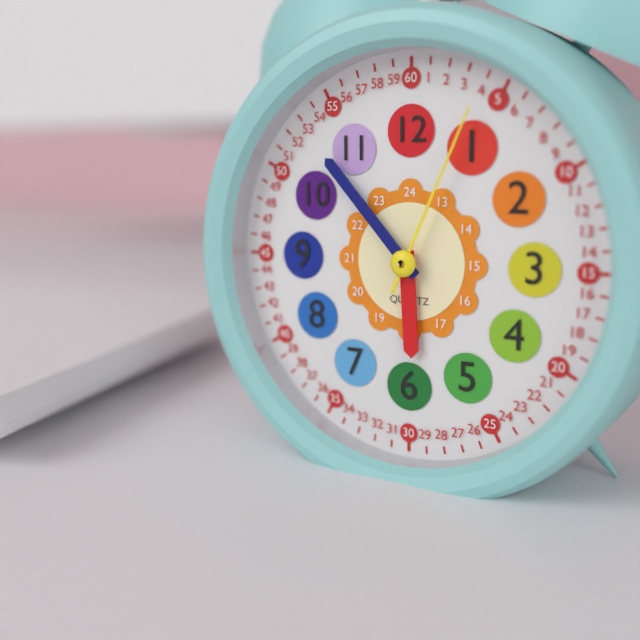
5.53.04
